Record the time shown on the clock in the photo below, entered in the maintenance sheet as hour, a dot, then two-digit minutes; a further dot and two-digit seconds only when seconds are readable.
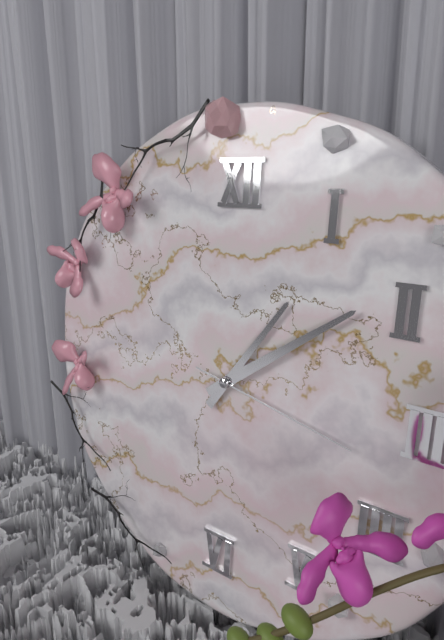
1.09.17
